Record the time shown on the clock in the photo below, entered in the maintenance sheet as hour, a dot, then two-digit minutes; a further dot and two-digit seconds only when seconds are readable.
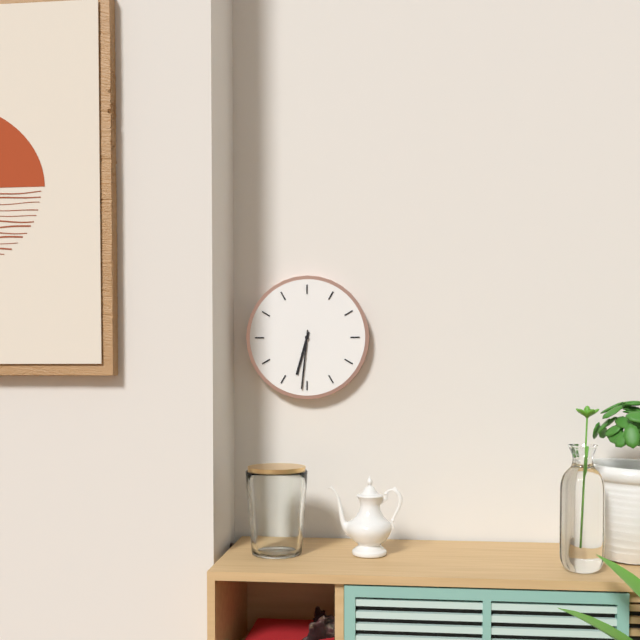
6.31
